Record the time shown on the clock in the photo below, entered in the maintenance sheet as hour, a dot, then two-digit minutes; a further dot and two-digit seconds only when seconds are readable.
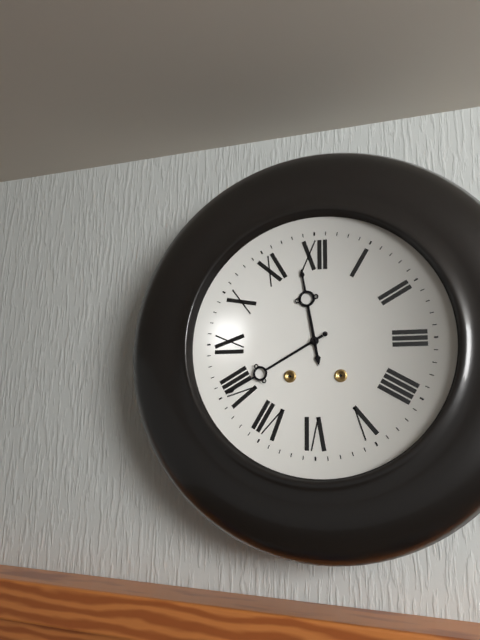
11.40
